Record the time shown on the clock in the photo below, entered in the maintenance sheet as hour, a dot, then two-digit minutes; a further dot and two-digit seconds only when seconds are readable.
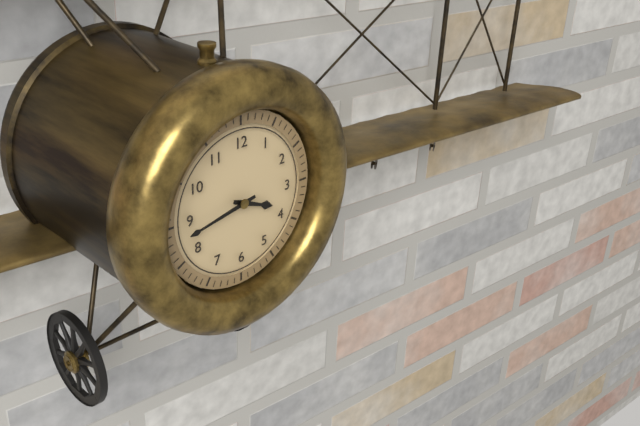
3.43
